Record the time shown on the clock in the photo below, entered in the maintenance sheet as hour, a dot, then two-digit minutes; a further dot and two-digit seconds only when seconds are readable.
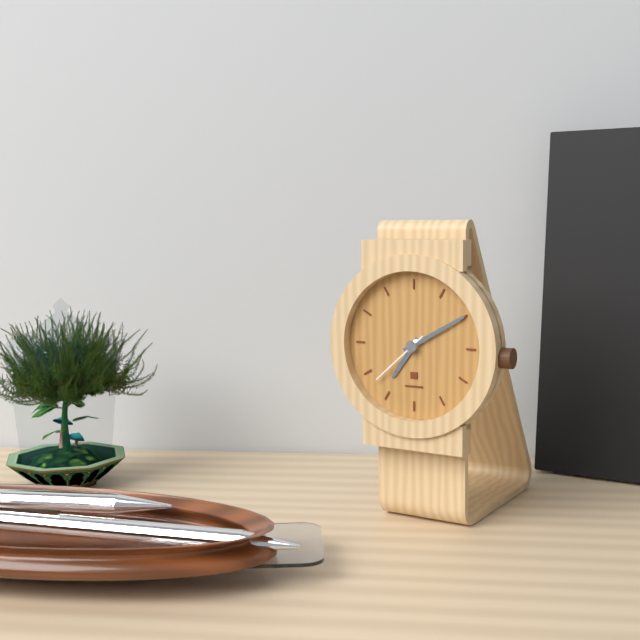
7.10.38
